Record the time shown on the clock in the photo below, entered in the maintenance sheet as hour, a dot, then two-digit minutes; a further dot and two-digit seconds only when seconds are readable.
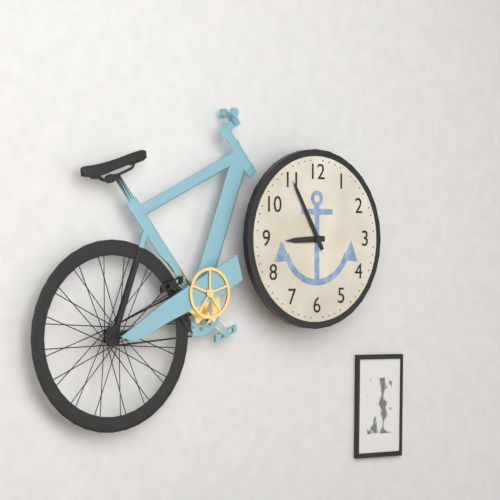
8.55
